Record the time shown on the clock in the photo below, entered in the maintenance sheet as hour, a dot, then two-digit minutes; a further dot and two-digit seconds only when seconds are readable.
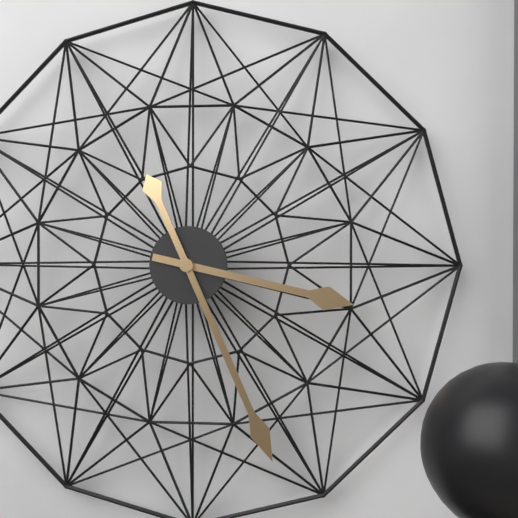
3.26
